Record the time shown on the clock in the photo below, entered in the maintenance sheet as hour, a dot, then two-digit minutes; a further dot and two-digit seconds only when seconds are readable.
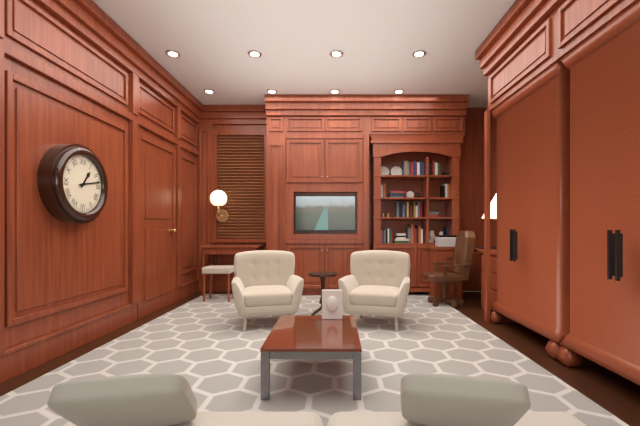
1.13
